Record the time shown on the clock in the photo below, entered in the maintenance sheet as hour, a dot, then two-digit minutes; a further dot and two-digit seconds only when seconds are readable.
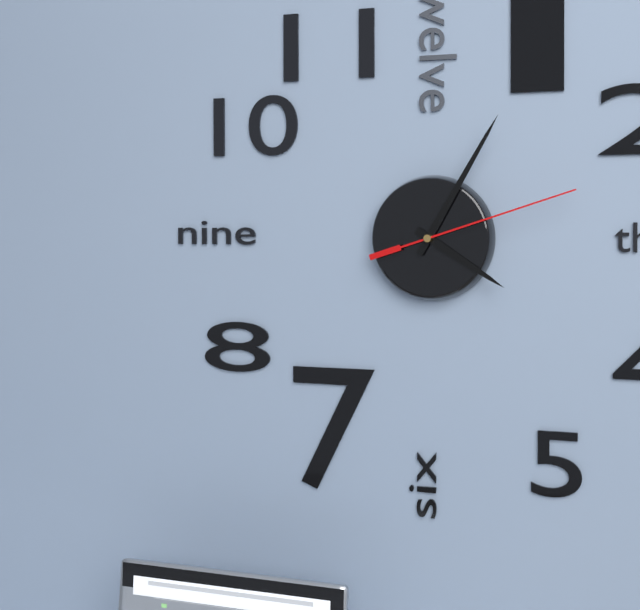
4.05.12
